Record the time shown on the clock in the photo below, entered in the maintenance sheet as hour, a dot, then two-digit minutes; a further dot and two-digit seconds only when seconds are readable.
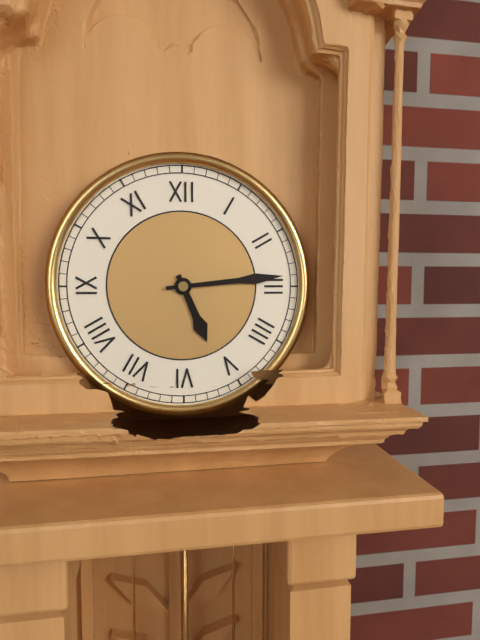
5.14
